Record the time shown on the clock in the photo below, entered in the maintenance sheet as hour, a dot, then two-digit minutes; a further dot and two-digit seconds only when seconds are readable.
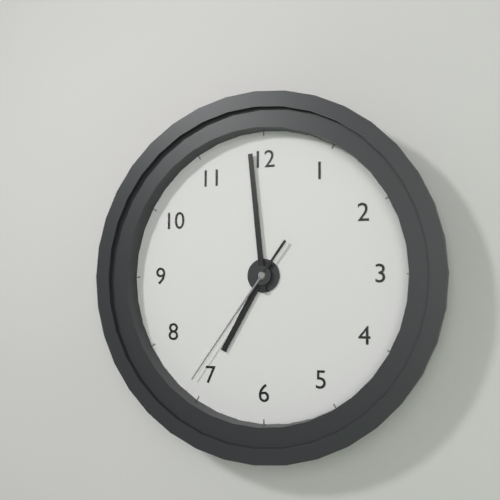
6.59.36
